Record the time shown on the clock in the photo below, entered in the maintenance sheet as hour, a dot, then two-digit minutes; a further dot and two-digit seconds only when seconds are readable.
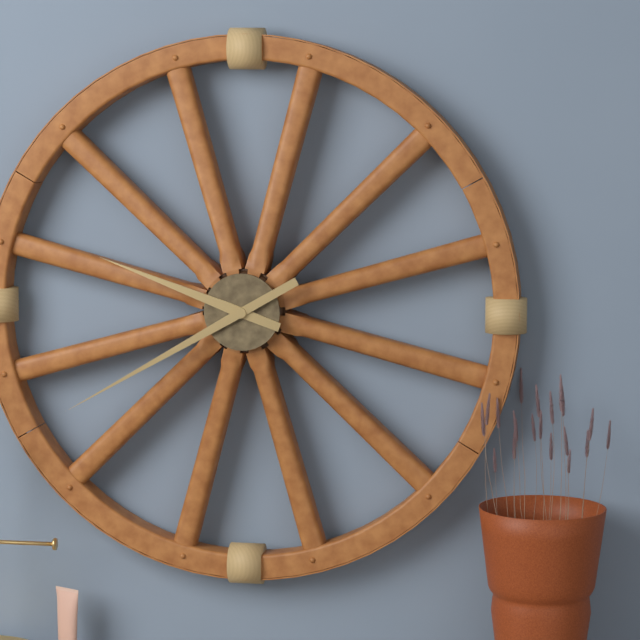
9.40
